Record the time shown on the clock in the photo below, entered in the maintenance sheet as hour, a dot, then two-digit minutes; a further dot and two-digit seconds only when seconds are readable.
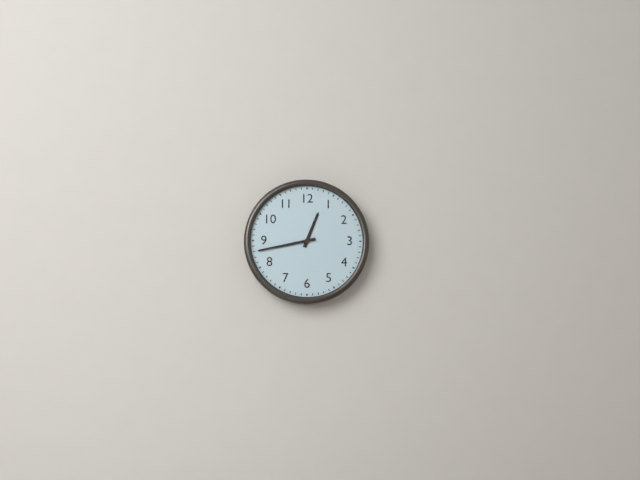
12.43
